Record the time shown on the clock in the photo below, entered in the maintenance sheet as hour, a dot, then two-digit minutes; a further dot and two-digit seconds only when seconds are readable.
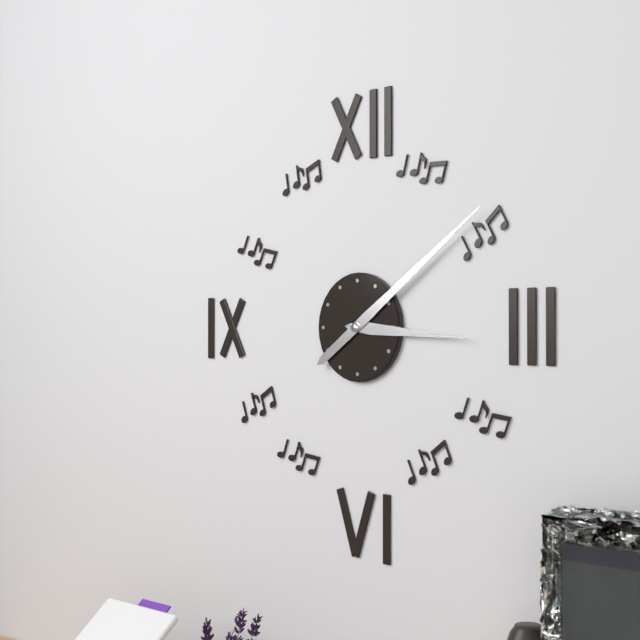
3.09
